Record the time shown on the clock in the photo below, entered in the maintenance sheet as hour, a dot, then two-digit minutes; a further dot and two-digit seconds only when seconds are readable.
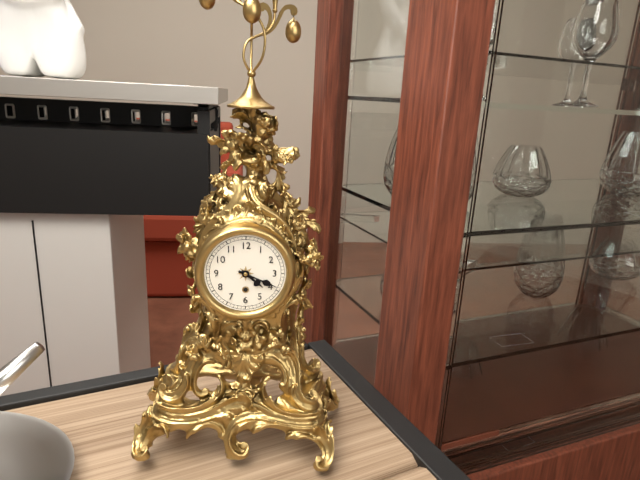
4.19
